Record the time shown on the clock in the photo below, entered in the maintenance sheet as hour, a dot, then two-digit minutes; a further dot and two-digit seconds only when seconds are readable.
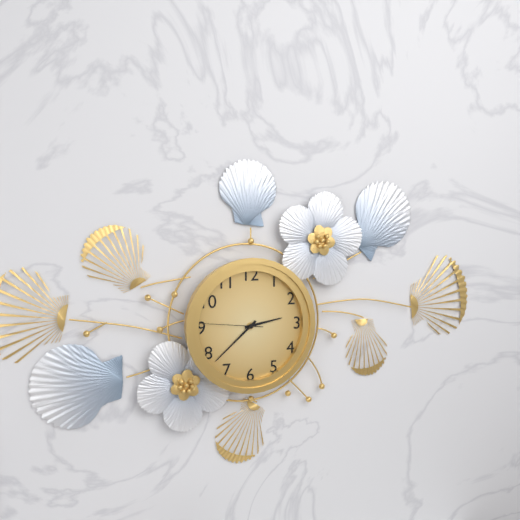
2.38.46
